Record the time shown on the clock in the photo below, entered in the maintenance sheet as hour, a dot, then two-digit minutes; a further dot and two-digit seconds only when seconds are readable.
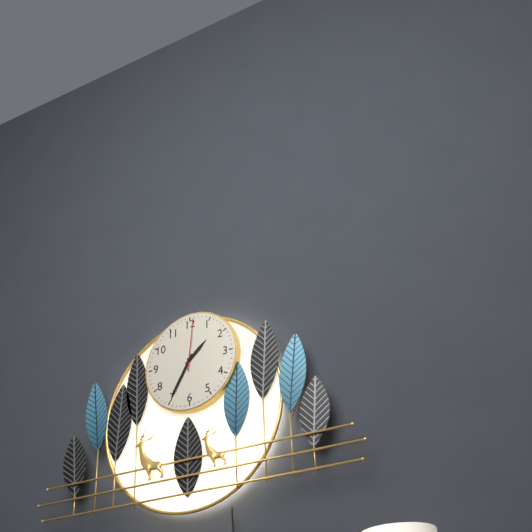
1.35.01
